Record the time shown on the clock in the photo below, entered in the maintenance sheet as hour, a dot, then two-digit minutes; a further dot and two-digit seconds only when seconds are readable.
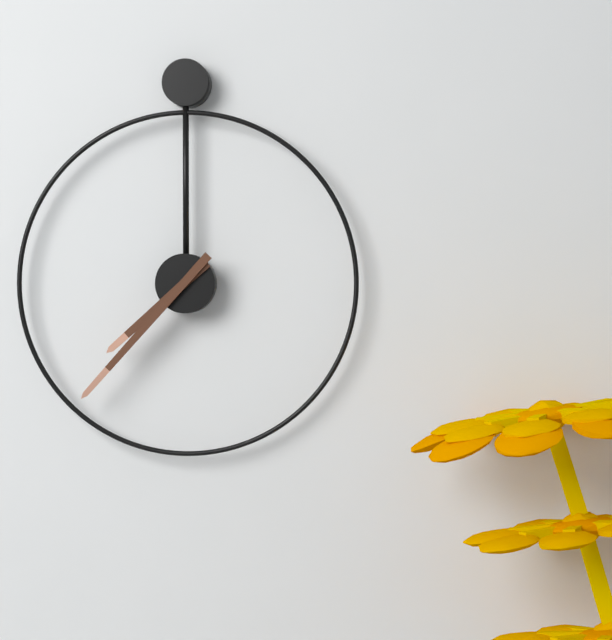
7.37
